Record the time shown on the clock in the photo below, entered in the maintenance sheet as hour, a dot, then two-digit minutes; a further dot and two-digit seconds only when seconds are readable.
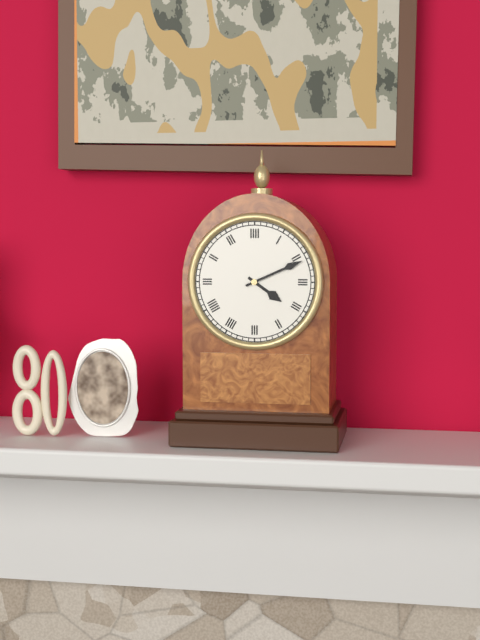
4.11
